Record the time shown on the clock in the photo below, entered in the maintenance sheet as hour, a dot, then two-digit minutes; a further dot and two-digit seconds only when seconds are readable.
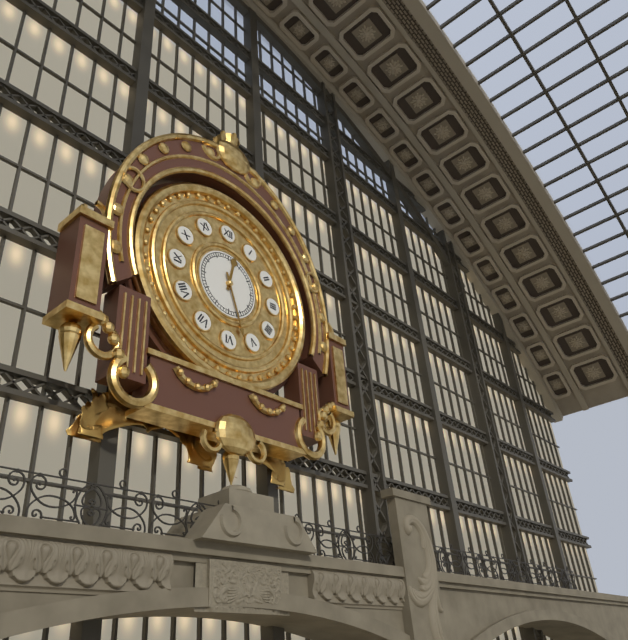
12.27
